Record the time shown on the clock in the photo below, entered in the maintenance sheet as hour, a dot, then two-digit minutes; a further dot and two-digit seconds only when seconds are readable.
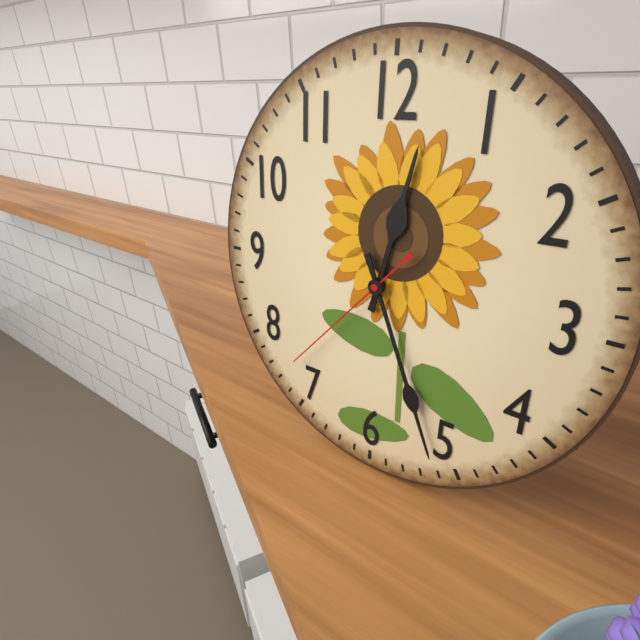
12.26.37
